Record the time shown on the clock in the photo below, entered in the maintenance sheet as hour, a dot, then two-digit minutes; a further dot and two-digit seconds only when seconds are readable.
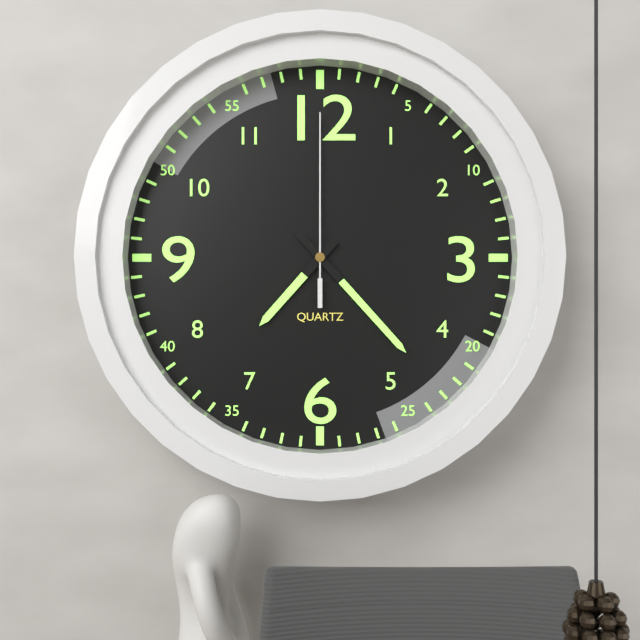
7.23.00
